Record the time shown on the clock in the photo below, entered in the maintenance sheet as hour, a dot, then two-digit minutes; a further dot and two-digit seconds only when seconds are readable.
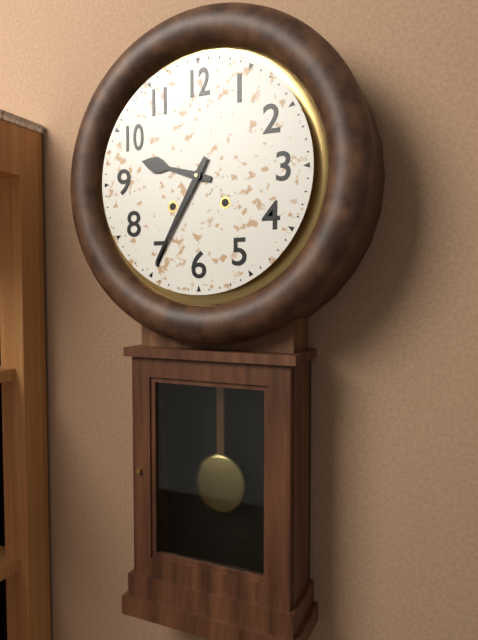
9.35
